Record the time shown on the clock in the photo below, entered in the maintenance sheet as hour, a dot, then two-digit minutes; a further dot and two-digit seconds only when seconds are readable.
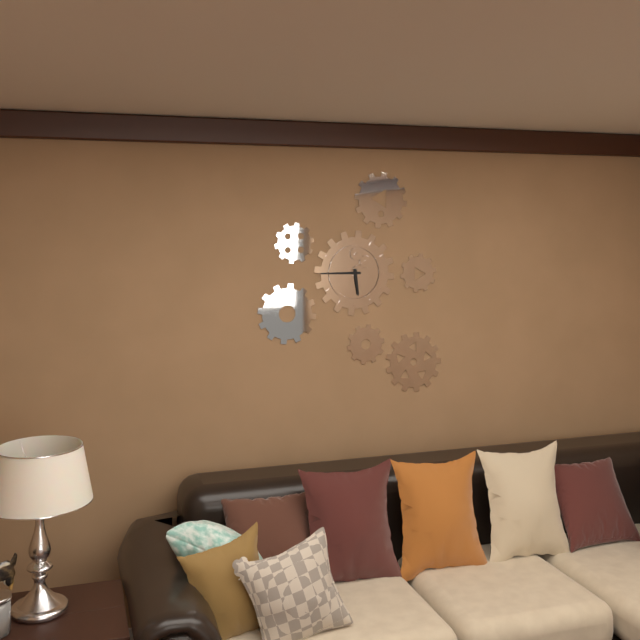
5.45
